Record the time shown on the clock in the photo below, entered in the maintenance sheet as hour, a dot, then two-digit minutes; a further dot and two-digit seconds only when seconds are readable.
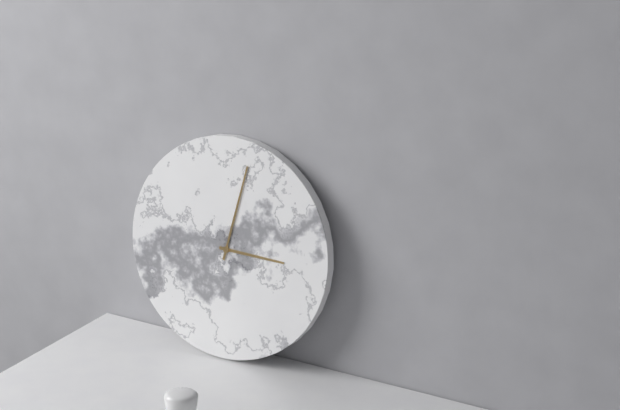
3.02
